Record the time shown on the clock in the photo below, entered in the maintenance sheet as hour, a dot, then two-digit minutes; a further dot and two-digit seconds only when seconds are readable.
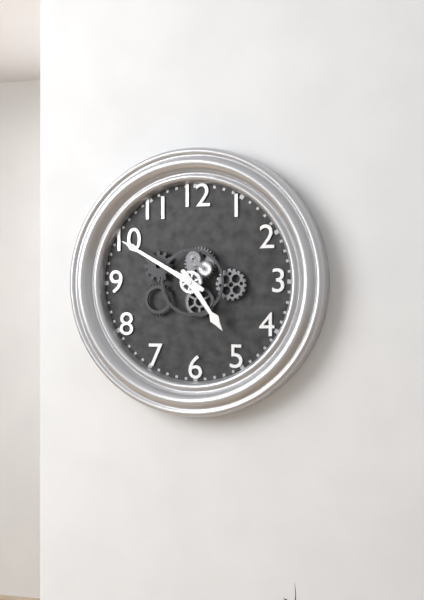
4.50
